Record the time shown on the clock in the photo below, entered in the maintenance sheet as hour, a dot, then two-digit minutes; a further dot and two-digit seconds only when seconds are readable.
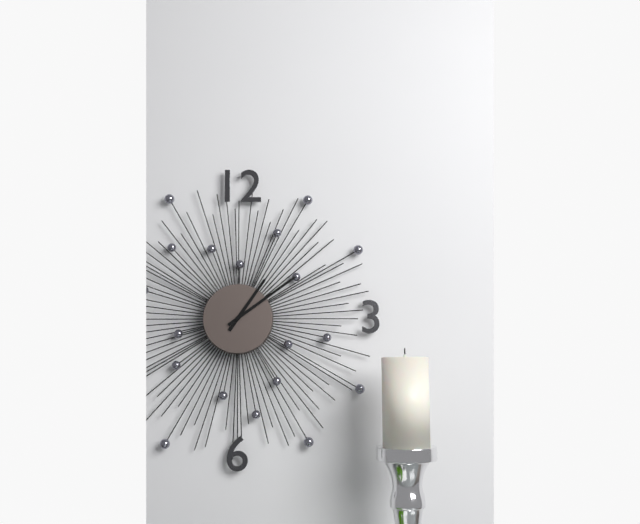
1.09
